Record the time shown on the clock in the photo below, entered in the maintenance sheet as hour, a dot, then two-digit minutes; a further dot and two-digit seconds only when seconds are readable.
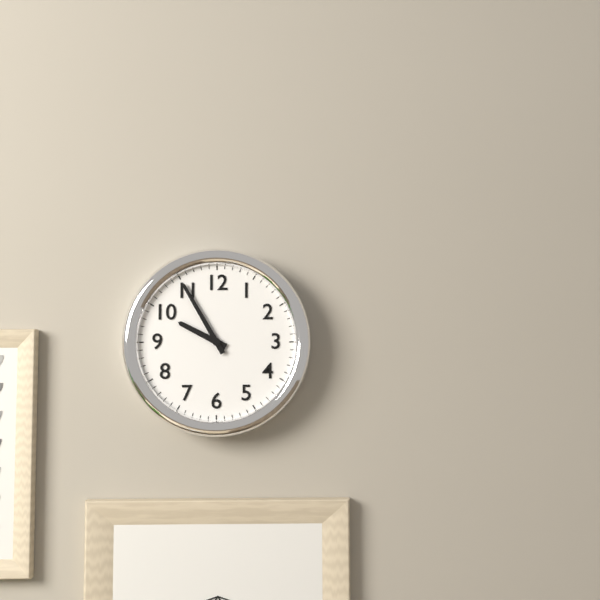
9.55
